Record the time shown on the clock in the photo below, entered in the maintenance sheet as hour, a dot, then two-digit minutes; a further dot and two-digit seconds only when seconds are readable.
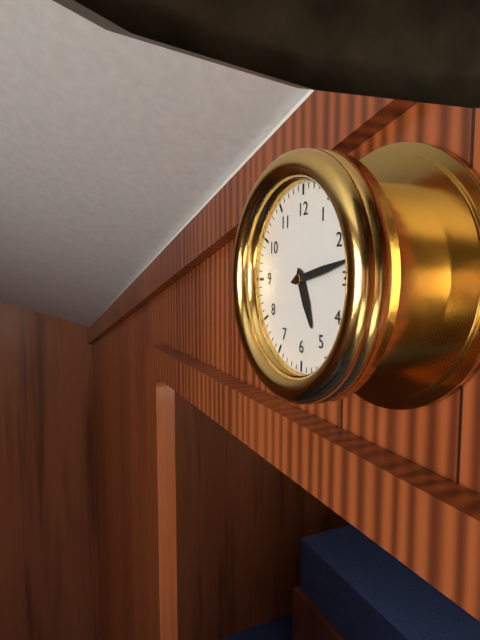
5.13
